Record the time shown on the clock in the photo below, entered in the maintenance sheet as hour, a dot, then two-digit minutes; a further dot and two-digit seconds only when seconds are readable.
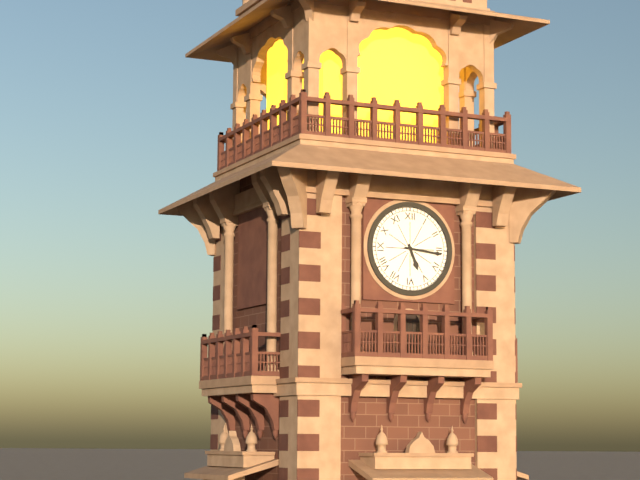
5.16
